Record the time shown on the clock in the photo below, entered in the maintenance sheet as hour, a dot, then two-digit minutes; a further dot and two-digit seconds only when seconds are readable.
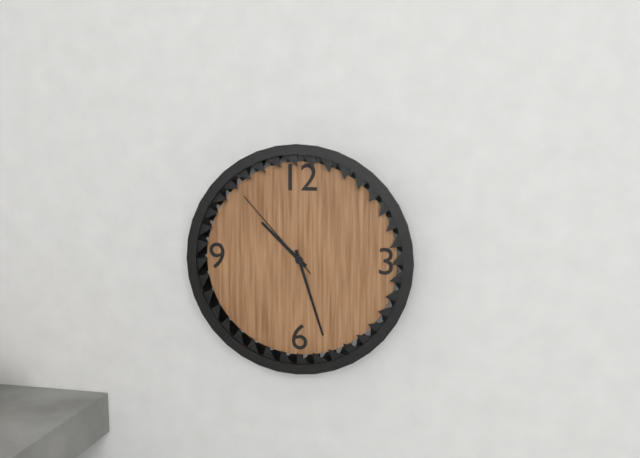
10.27.53
